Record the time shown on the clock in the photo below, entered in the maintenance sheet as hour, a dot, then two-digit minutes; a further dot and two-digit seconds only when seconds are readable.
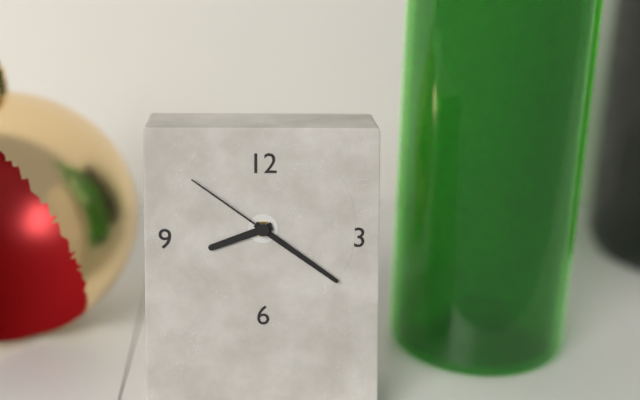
8.21.51
